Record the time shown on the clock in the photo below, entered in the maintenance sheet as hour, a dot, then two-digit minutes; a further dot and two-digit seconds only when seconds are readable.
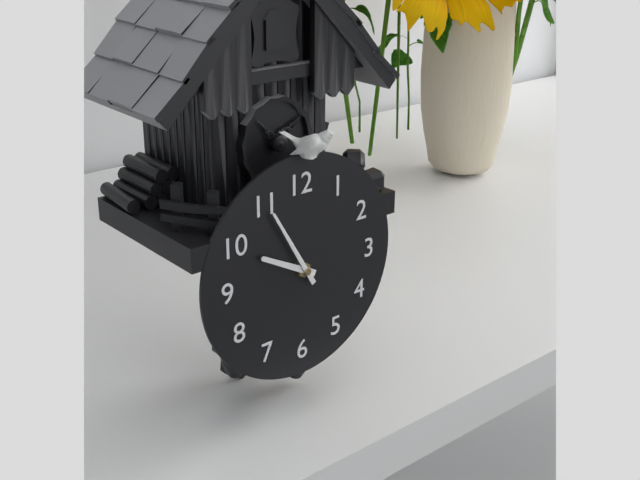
9.55
